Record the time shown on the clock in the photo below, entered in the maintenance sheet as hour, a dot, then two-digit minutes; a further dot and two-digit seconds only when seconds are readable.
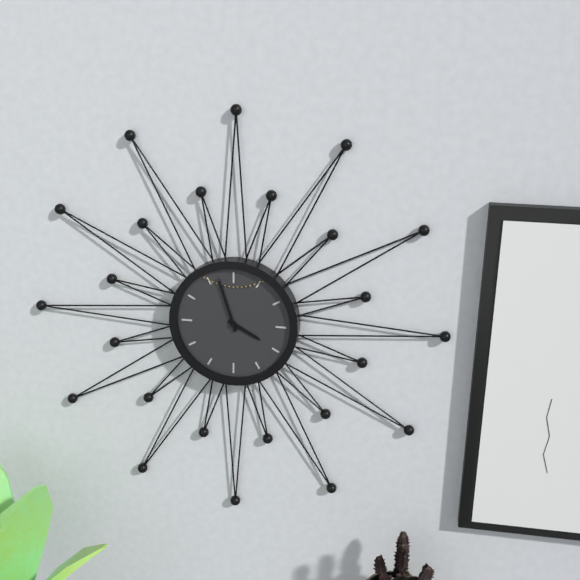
3.57
